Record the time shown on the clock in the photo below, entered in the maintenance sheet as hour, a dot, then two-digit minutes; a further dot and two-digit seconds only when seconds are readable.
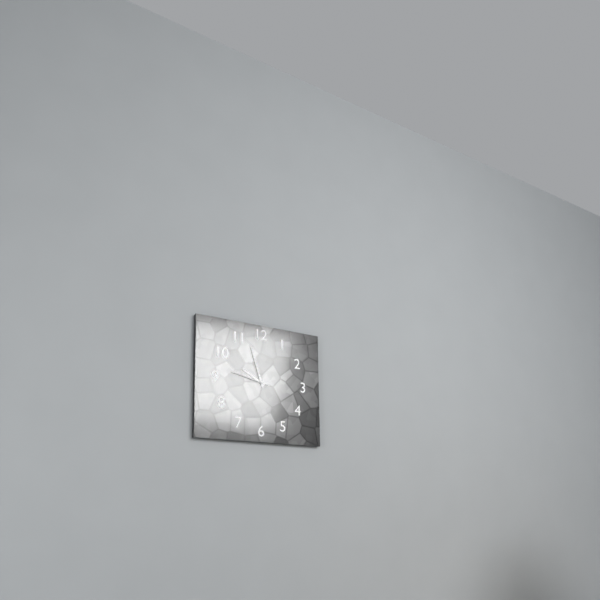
9.57
